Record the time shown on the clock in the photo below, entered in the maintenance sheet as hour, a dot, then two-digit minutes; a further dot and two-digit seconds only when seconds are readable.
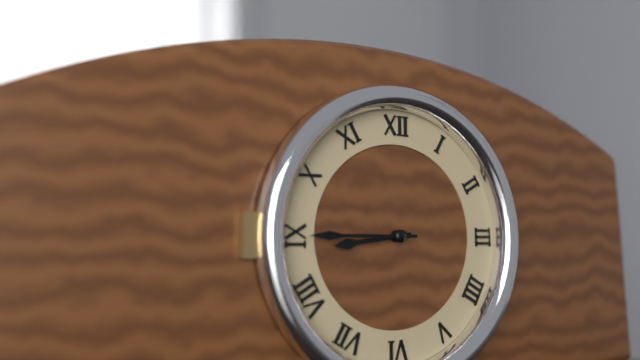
8.45
